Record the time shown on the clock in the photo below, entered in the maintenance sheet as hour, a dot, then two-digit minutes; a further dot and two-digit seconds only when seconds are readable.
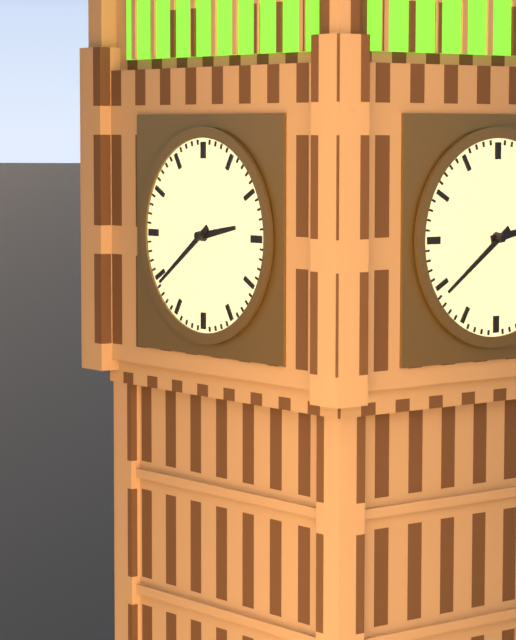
2.39
